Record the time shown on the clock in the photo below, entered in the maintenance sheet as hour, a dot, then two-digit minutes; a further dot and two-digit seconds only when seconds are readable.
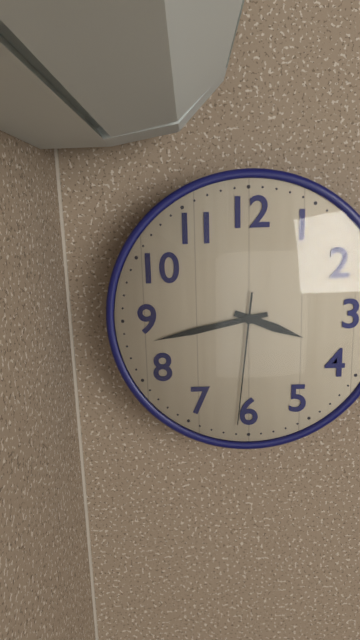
3.43.31
